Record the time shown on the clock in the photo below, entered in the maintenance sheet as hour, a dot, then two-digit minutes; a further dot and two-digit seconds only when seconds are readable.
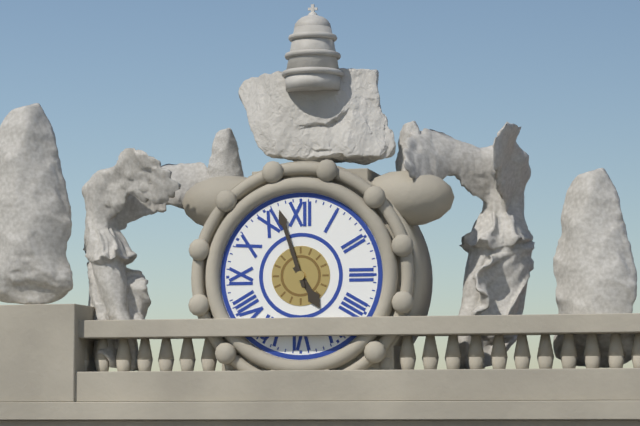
4.57
